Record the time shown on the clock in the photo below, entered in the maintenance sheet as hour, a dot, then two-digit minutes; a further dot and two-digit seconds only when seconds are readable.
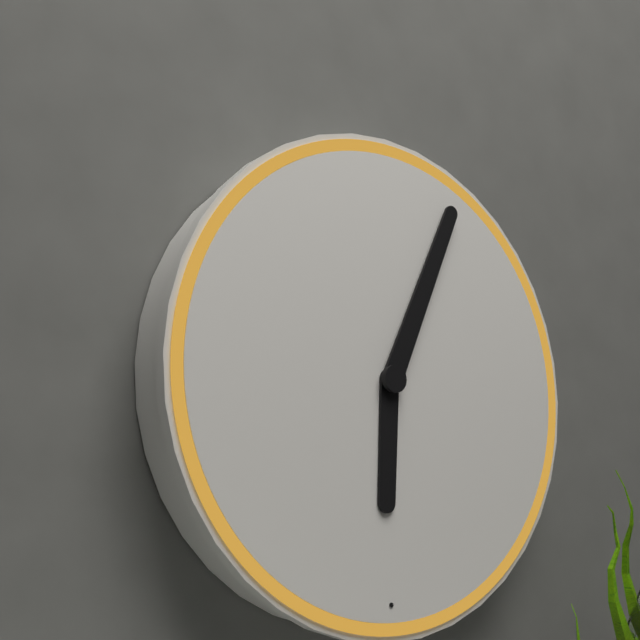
6.04
